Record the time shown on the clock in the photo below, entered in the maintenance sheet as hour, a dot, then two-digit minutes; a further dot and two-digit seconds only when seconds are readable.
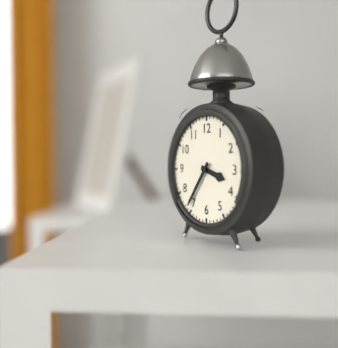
3.36
